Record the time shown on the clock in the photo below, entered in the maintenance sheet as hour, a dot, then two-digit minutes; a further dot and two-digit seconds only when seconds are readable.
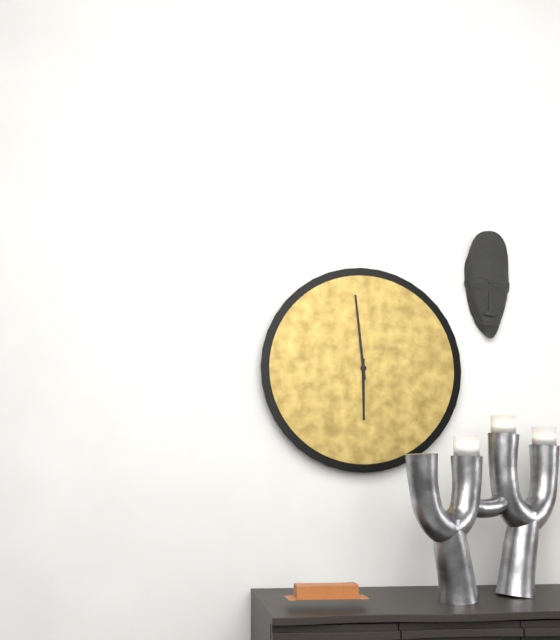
5.59
